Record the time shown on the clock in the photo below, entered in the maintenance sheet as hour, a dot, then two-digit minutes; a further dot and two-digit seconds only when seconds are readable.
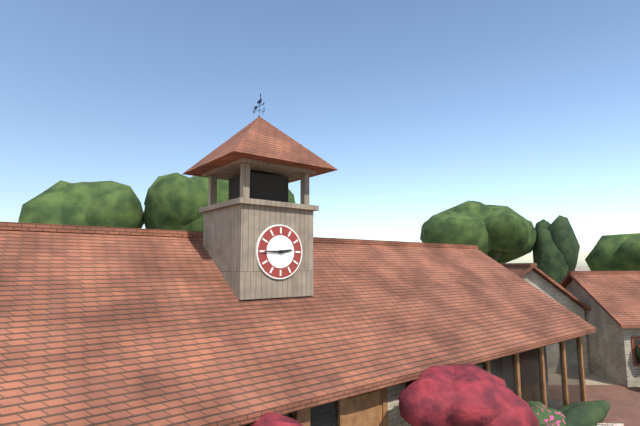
2.45
